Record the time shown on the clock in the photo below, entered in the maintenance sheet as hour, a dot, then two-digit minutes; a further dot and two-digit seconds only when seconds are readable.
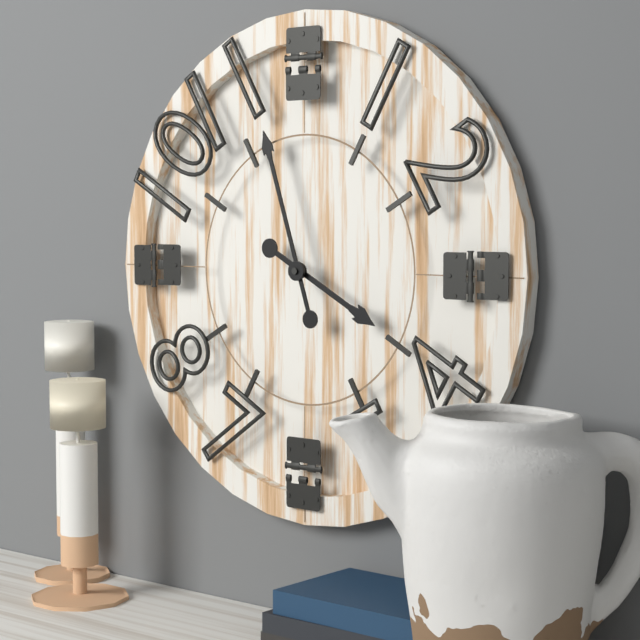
3.57
